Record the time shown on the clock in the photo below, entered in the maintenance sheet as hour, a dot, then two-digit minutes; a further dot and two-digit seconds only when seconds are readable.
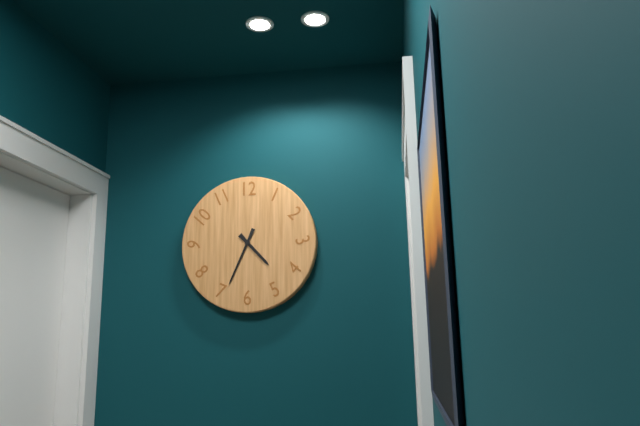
4.34
